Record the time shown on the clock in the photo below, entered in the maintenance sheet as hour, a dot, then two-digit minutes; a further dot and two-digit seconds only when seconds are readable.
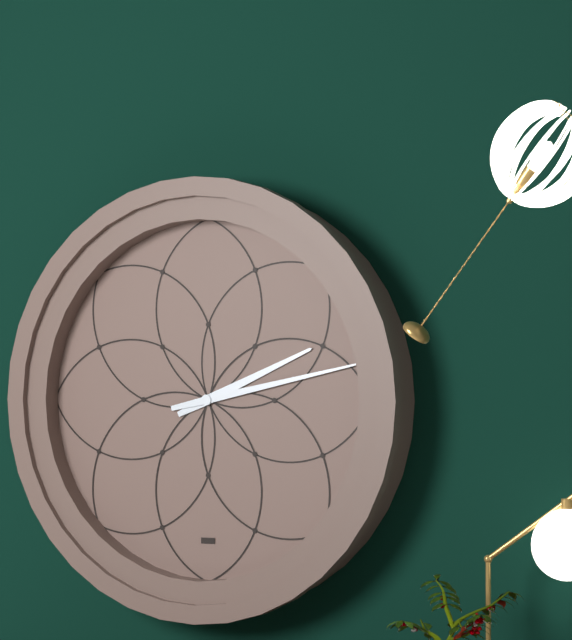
2.13
